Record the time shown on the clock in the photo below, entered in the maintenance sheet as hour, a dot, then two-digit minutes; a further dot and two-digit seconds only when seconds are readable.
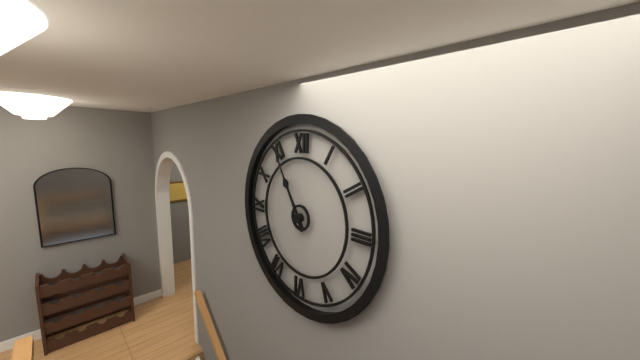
10.55
